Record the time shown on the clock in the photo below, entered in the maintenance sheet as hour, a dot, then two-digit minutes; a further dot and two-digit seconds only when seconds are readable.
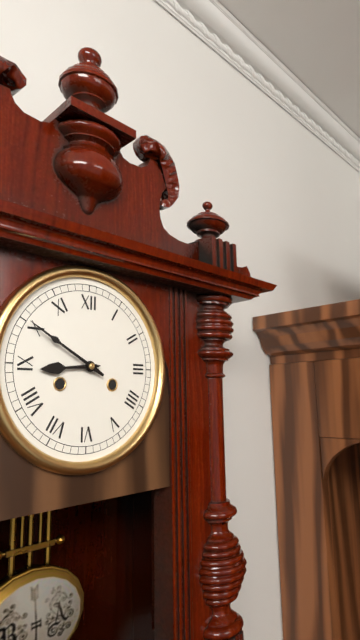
8.50
